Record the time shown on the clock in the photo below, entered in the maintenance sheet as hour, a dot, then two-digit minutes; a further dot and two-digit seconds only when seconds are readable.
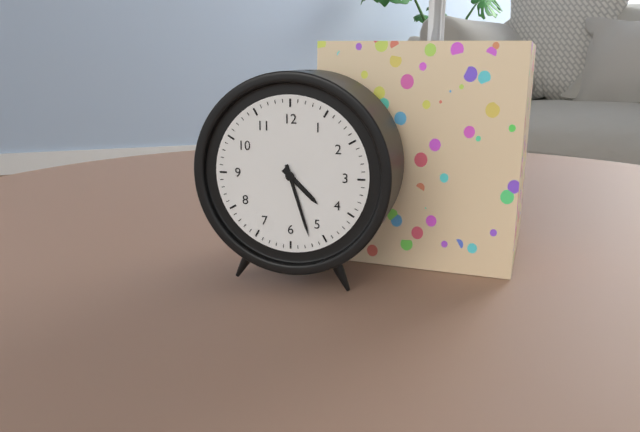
4.27
